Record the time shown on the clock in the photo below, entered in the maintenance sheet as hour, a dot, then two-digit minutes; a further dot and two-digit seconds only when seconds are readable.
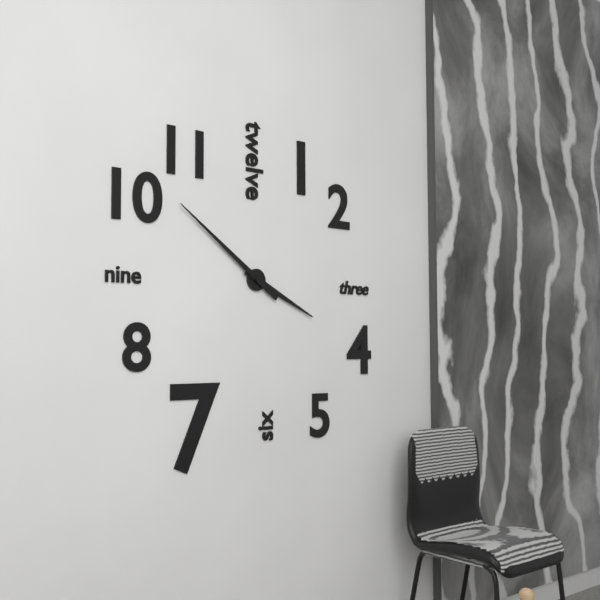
3.51
